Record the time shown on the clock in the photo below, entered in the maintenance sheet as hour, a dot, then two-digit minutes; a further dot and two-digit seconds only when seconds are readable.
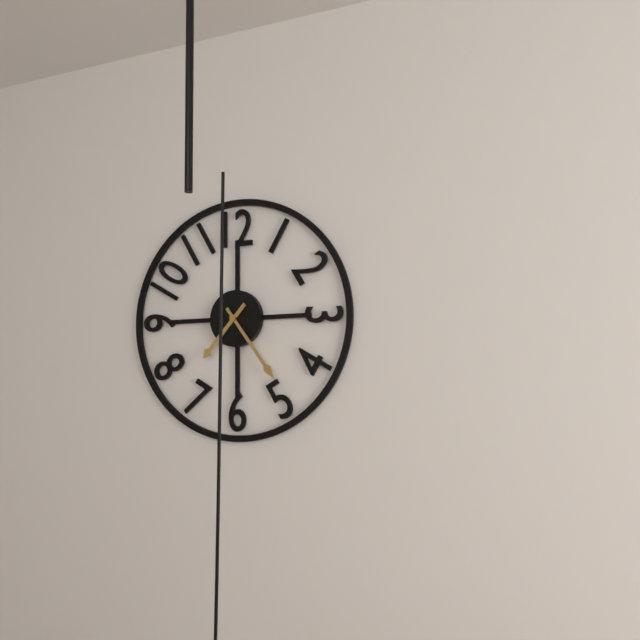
7.24
